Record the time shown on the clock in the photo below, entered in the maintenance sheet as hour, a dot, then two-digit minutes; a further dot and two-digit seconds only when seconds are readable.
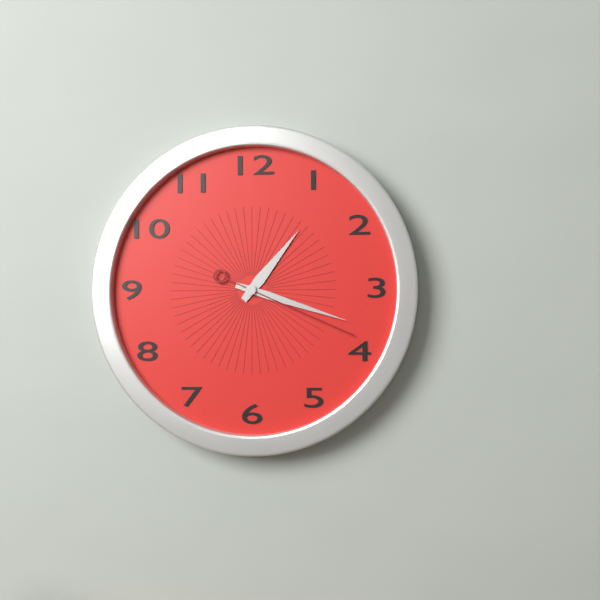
1.18.19
